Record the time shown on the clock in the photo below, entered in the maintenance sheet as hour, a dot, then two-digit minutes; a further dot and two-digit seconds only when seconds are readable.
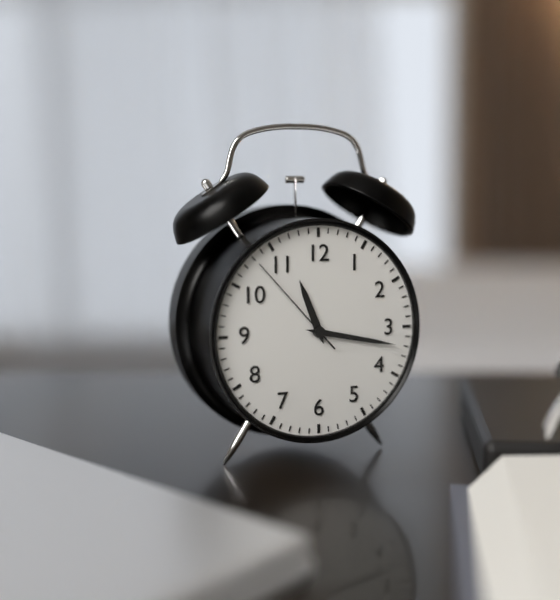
11.17.53
